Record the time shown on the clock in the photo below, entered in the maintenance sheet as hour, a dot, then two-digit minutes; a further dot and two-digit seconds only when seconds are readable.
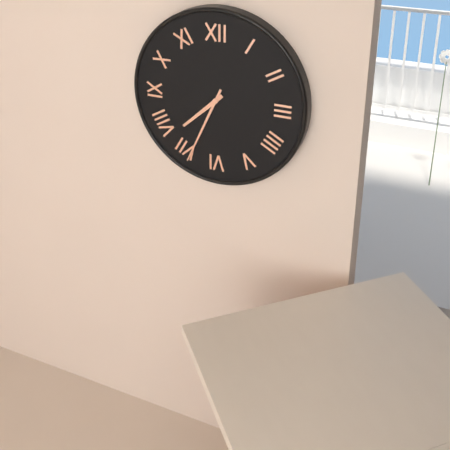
7.34
